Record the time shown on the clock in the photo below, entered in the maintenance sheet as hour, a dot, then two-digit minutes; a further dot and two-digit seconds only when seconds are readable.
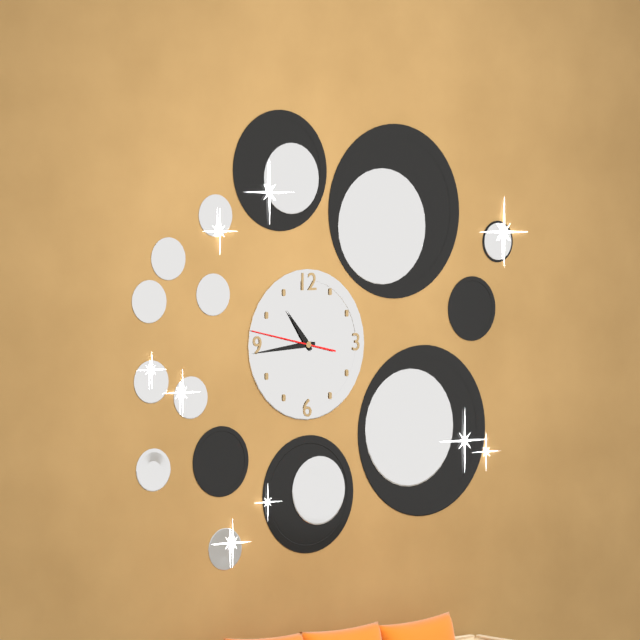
10.44.47
